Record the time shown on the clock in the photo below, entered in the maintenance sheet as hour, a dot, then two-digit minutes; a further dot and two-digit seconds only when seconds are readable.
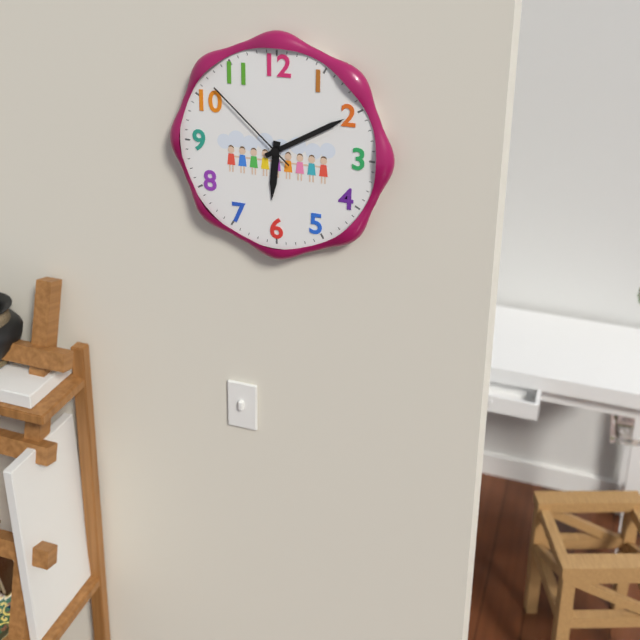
6.10.52
